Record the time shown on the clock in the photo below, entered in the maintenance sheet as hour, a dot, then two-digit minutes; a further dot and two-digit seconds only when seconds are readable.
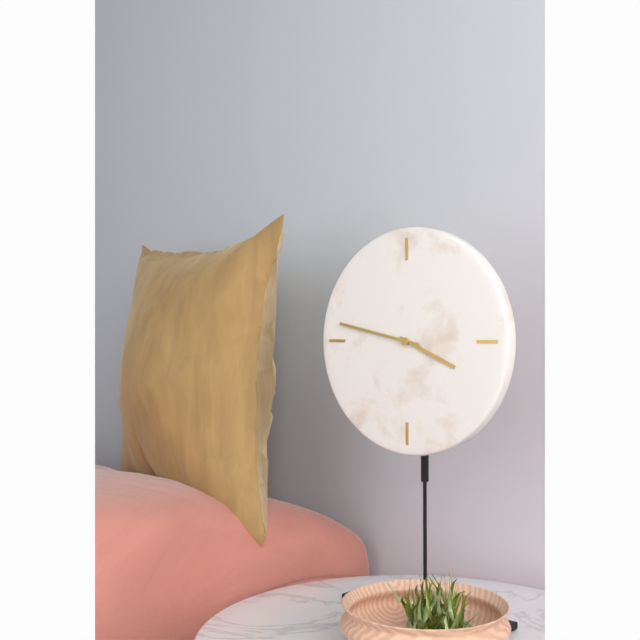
3.47
